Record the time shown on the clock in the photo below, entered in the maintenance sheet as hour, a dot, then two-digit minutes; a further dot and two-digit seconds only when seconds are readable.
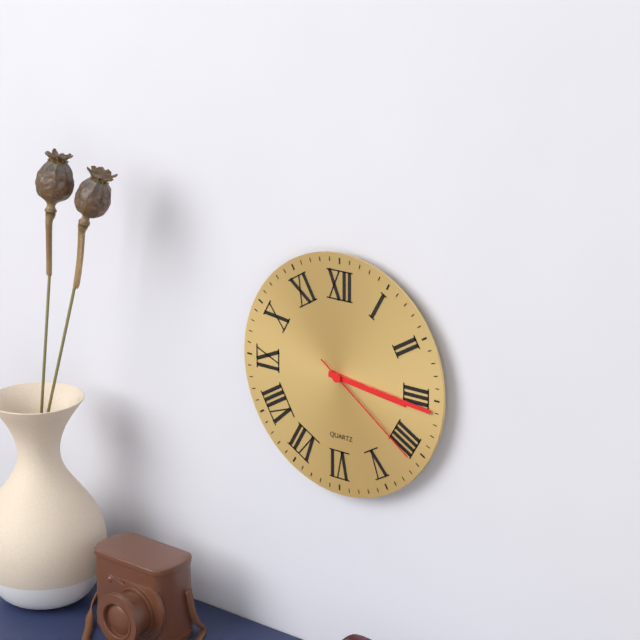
3.16.21
